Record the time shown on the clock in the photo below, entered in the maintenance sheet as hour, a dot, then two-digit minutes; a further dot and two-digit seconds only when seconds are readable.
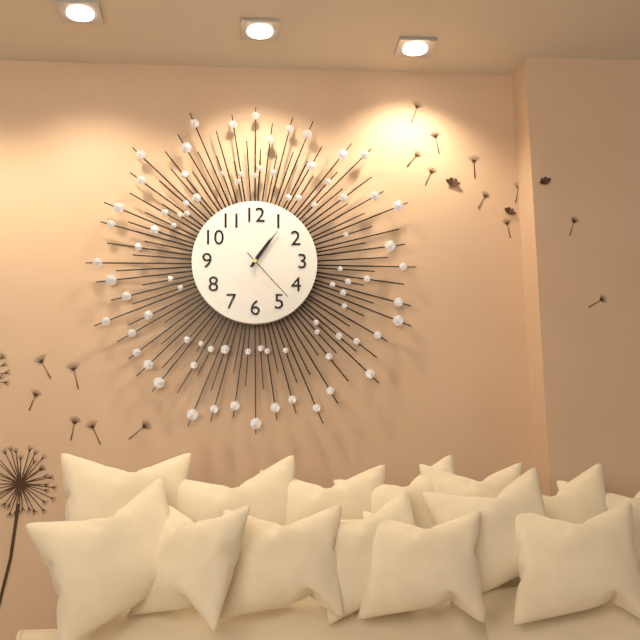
1.06.23
